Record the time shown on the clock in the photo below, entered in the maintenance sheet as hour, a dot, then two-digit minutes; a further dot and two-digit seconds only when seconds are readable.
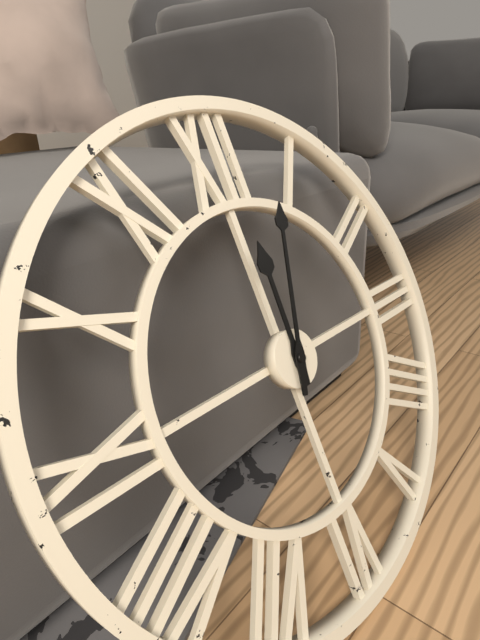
12.03
